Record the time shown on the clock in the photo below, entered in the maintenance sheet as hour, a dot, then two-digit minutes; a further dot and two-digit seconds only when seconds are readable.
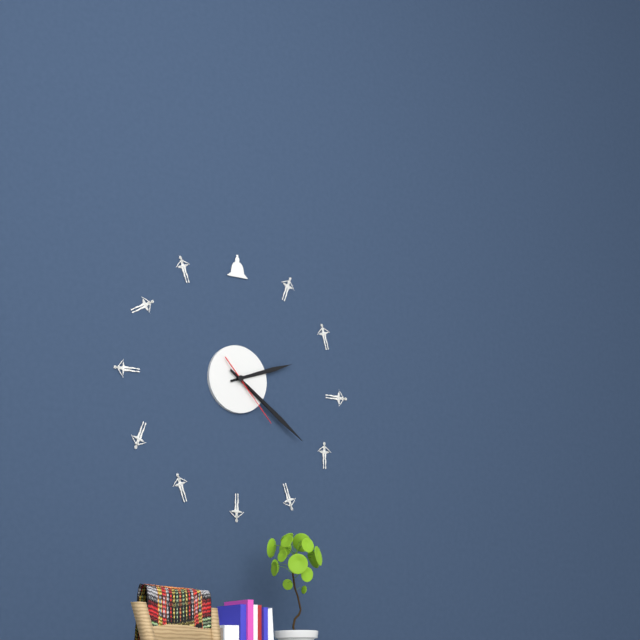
2.21.23
